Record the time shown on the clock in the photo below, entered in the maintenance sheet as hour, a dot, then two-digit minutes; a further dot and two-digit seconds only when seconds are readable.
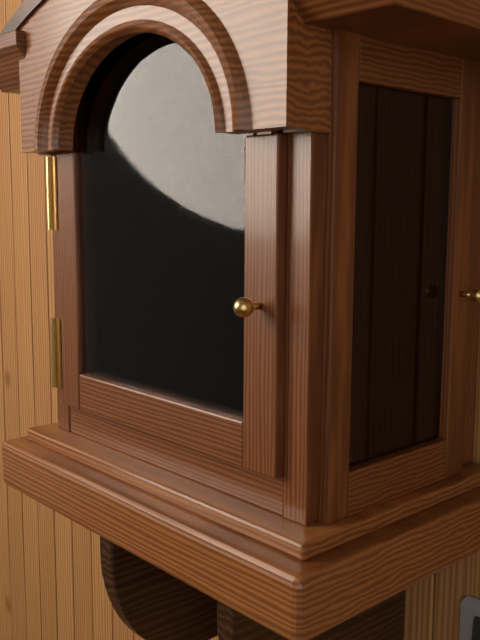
9.27
